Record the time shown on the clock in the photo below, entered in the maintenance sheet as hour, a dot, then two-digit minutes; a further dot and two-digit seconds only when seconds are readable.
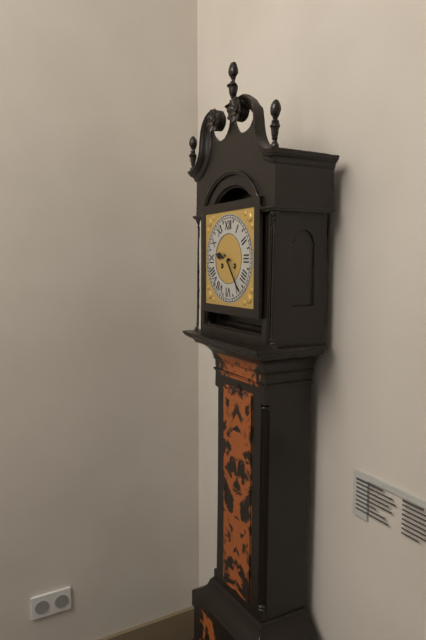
9.24
